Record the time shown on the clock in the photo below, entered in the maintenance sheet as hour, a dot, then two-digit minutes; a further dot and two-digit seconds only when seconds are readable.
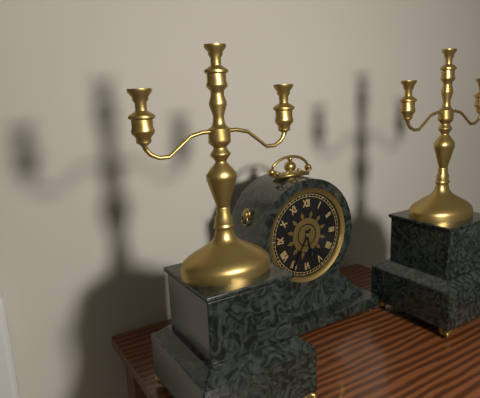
5.35
